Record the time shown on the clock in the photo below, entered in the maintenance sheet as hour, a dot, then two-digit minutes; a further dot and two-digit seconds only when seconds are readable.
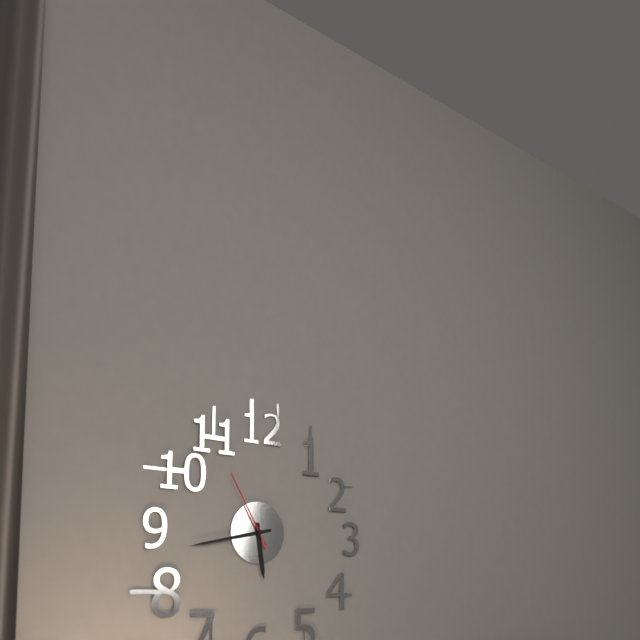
5.43.55
